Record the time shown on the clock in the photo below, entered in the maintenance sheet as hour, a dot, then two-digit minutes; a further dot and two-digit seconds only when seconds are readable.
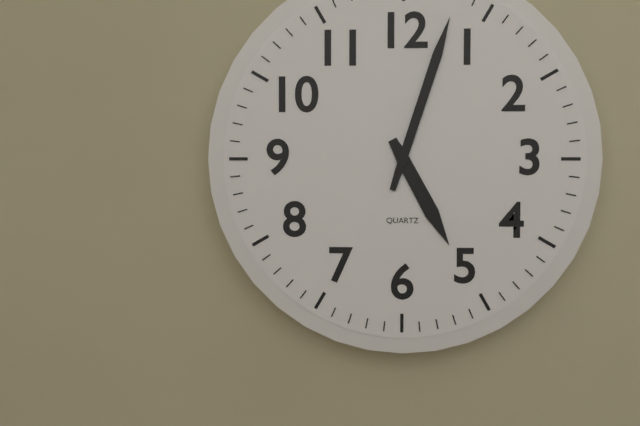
5.03
